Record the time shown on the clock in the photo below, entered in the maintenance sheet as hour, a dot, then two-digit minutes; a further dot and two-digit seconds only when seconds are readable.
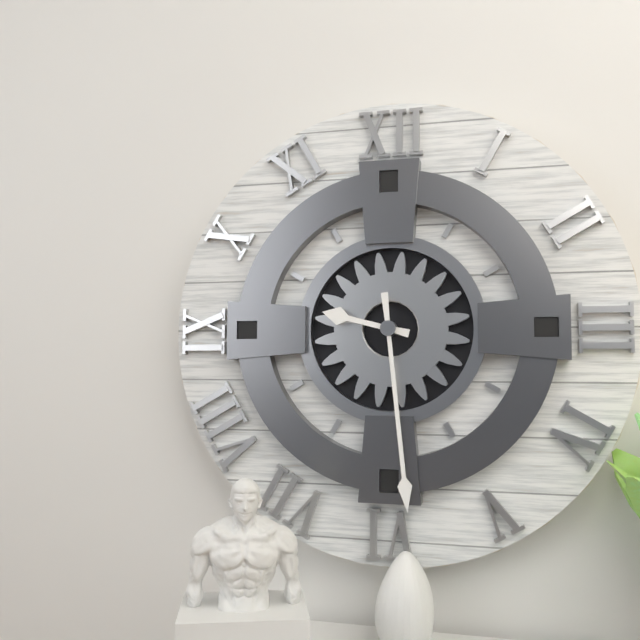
9.29
